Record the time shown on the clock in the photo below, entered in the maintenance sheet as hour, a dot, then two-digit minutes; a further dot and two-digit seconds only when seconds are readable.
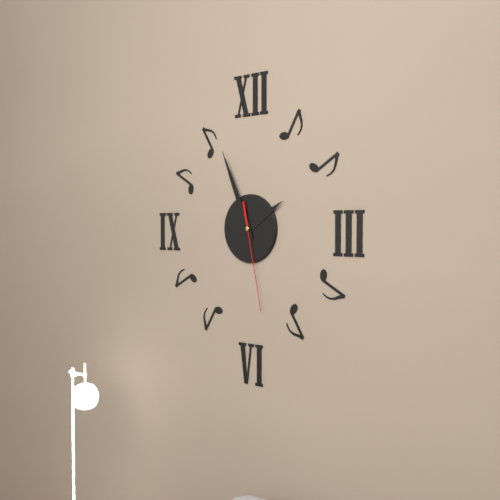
1.56.28
